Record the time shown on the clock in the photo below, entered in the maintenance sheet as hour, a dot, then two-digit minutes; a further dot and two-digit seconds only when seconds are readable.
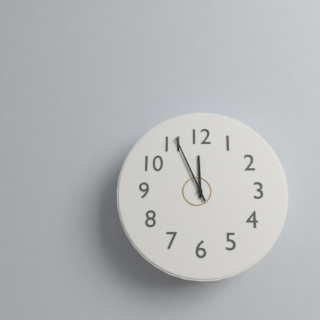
11.56
